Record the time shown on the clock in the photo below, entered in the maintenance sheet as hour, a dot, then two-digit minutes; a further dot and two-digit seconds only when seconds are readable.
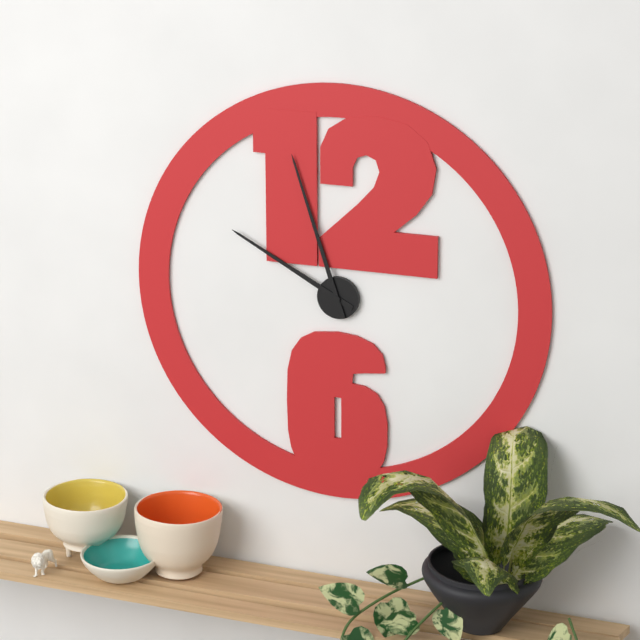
9.57
